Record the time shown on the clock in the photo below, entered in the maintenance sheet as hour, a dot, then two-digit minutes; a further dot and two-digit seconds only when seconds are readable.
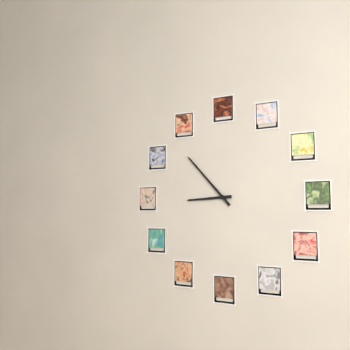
8.53
